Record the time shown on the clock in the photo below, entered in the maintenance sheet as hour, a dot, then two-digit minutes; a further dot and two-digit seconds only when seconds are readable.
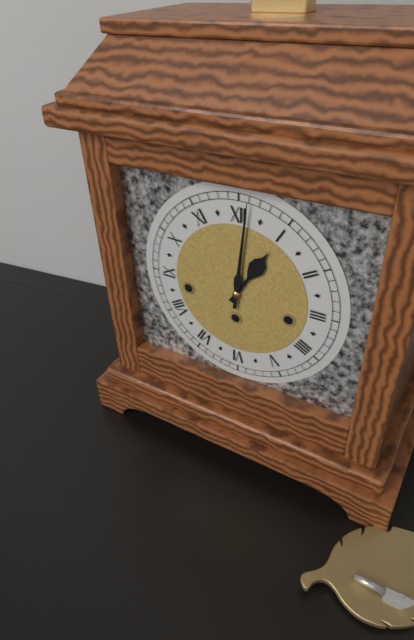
1.01
